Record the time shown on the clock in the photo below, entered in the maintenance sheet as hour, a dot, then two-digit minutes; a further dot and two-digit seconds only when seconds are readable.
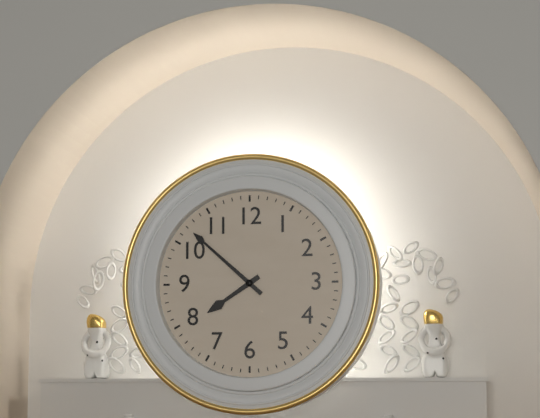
7.52
